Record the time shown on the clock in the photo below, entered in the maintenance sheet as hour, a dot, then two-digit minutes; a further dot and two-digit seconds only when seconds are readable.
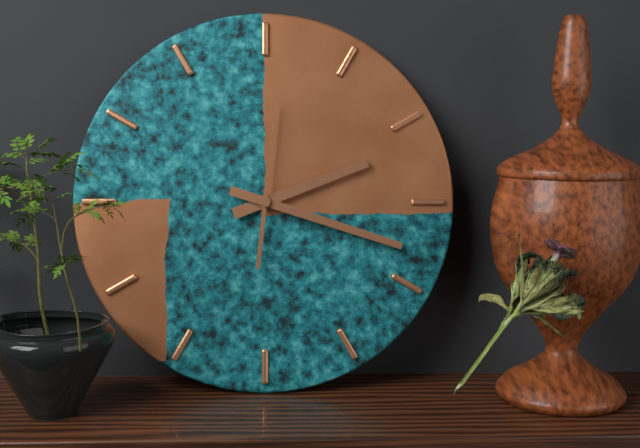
2.18.01
